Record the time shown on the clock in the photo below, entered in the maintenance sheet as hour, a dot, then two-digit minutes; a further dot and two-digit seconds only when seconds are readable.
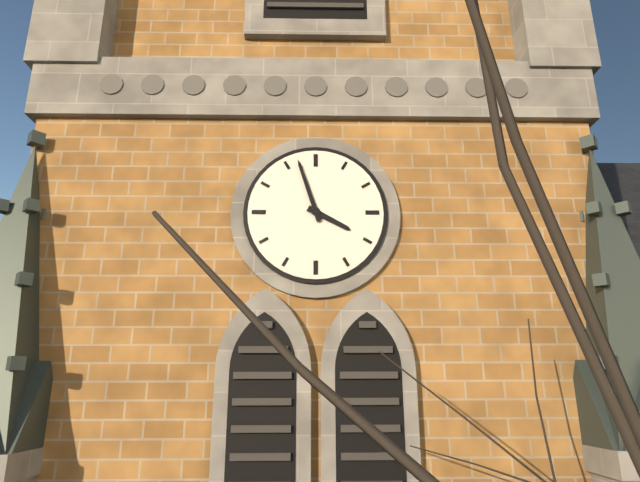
3.57
